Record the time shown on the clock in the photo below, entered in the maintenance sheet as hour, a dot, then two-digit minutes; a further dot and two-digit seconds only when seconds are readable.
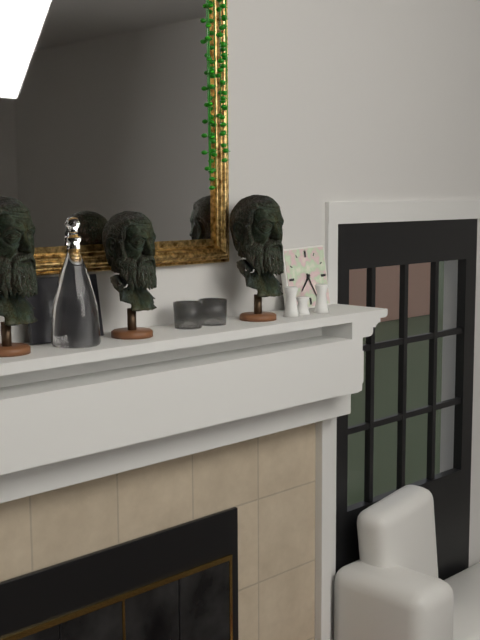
7.26
